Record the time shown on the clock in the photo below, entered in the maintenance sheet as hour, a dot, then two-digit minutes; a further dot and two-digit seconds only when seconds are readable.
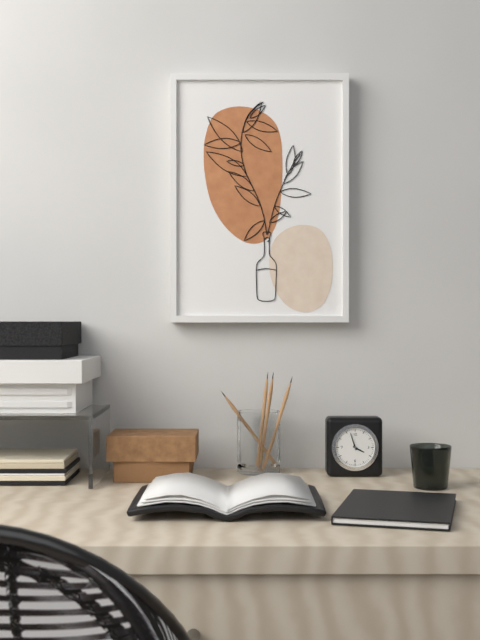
3.57
